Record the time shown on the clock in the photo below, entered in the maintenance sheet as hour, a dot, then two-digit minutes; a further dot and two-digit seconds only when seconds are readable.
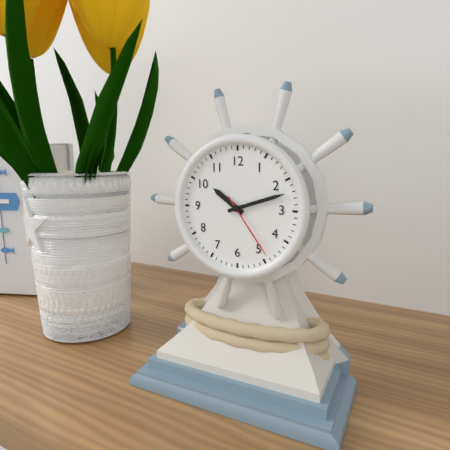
10.12.24
